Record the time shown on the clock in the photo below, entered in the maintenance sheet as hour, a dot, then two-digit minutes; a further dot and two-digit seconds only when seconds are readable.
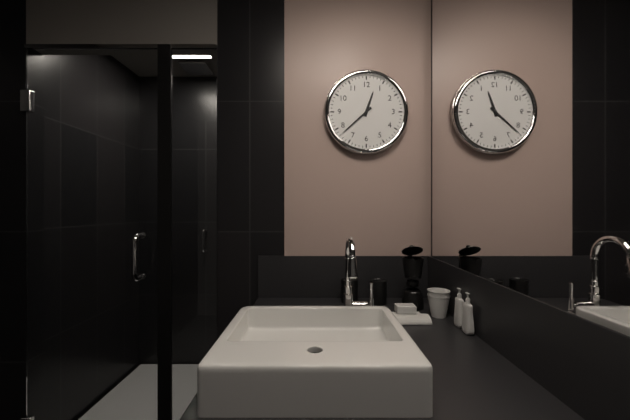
12.38
